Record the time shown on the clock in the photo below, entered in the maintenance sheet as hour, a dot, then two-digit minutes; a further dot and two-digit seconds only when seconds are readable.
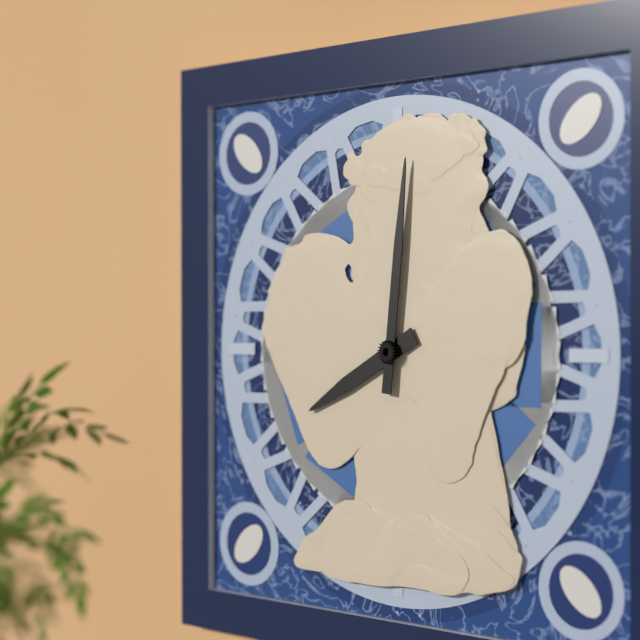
8.01
